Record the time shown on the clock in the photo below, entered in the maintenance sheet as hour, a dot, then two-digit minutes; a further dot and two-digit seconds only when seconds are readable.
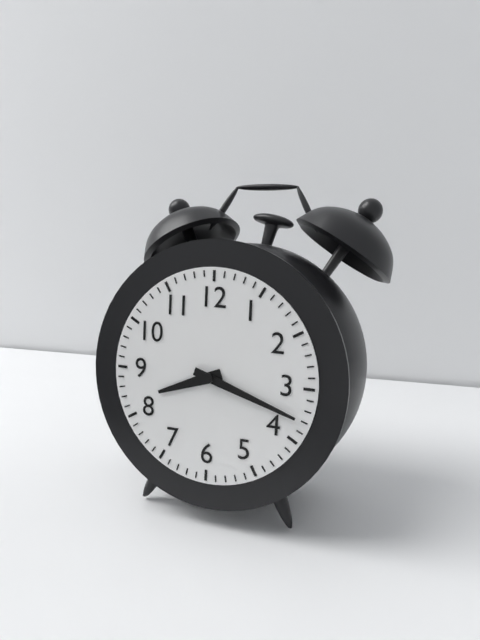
8.18
